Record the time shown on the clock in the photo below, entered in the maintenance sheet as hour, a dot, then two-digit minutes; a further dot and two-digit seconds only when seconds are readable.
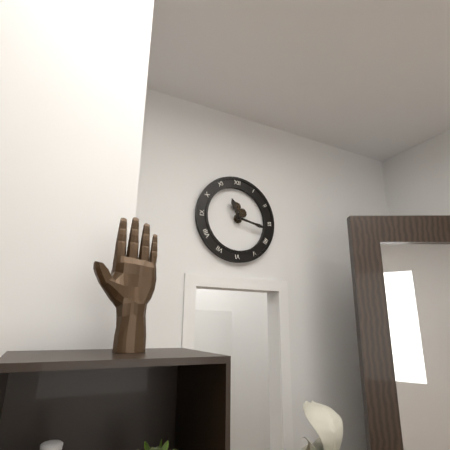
11.17
